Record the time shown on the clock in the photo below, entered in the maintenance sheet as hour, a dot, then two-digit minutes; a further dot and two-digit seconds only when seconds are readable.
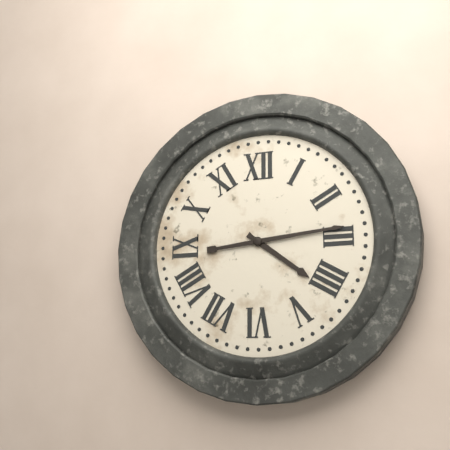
4.14
